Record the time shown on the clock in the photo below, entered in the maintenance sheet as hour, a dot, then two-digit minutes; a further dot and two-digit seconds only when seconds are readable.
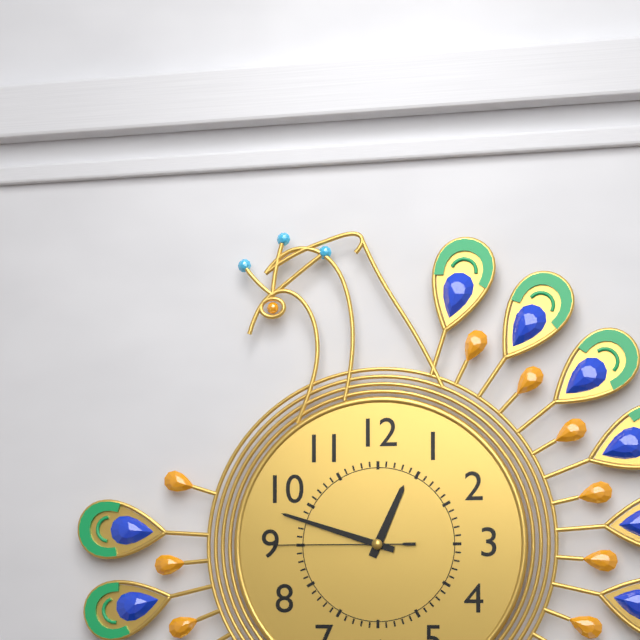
12.48.45
